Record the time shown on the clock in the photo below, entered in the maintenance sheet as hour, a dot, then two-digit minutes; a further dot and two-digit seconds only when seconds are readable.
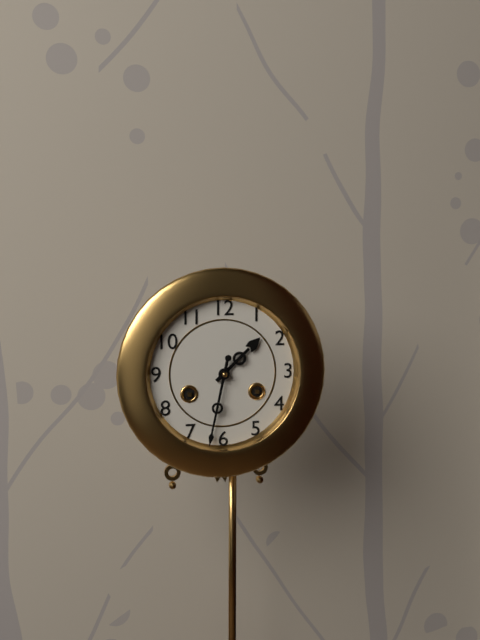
1.32
